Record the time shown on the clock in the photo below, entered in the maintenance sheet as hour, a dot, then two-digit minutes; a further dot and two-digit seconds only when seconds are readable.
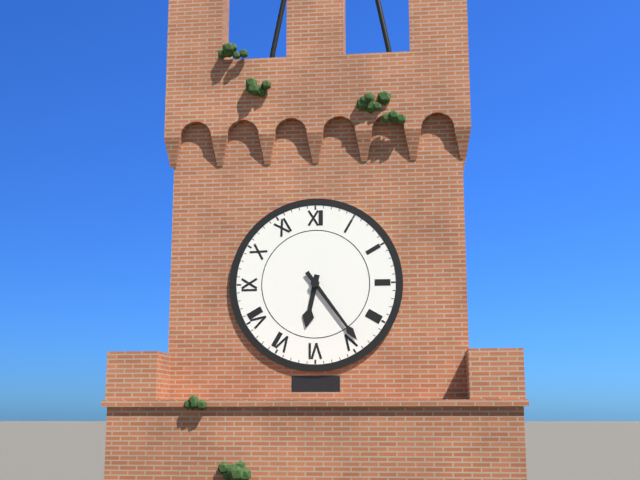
6.24
